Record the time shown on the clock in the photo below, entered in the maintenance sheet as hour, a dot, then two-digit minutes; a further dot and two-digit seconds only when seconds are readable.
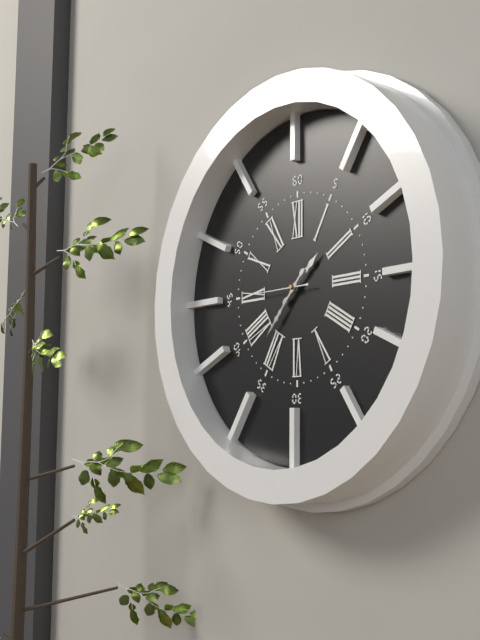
1.37.45
